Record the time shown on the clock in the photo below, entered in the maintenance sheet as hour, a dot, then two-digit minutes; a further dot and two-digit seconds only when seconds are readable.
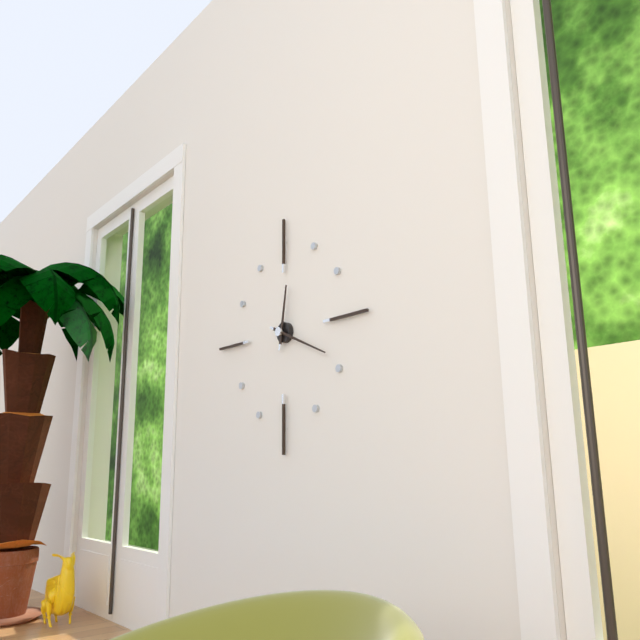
12.19
